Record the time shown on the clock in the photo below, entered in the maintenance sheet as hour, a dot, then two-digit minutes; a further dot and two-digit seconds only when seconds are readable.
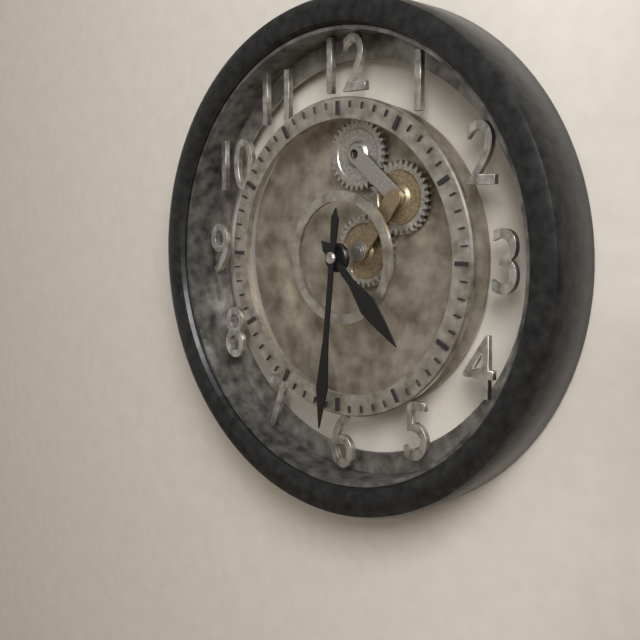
4.31
